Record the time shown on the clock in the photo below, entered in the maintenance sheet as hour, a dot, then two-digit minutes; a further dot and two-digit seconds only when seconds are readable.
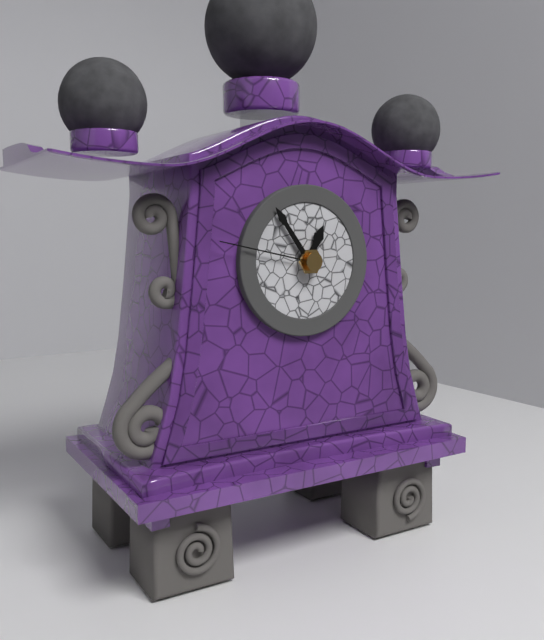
12.54.47
